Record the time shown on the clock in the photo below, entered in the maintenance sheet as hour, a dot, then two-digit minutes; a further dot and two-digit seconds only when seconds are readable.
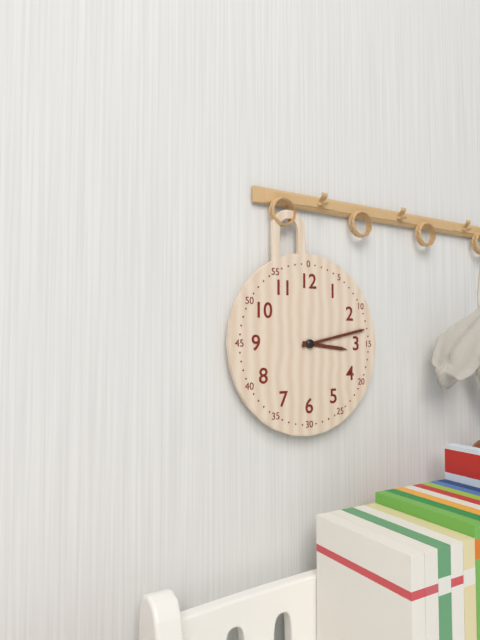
3.13
